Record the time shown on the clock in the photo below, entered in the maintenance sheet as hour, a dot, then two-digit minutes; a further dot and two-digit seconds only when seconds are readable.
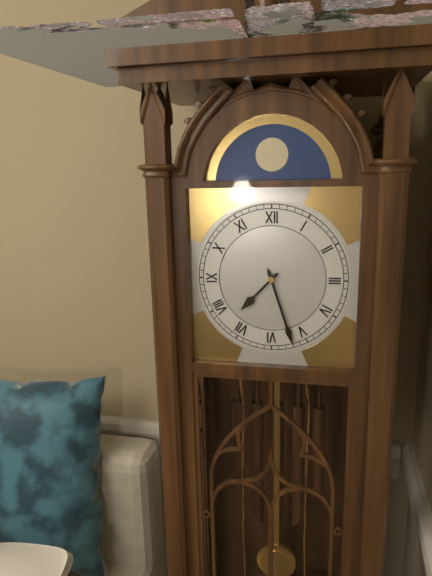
7.27
